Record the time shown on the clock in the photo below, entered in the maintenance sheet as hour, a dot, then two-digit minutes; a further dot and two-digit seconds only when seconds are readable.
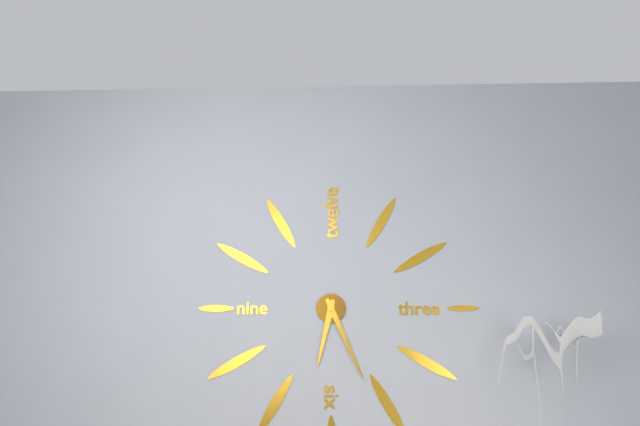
6.26
